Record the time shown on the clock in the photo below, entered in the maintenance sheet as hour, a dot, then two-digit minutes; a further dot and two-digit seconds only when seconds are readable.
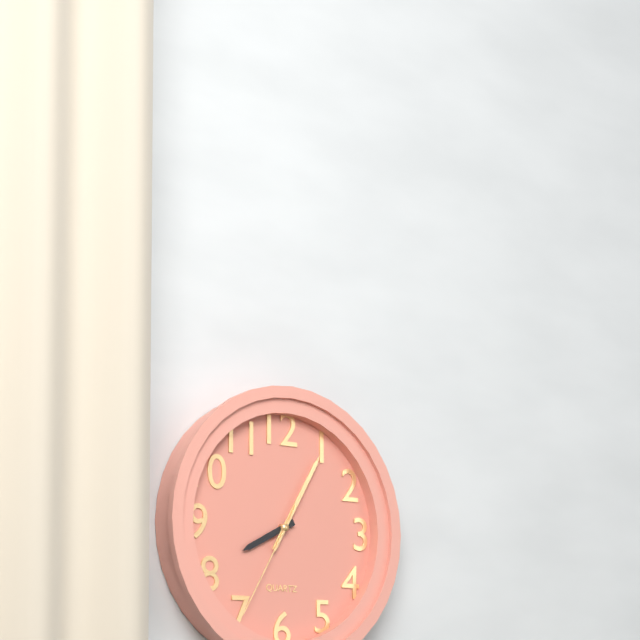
8.05.35
